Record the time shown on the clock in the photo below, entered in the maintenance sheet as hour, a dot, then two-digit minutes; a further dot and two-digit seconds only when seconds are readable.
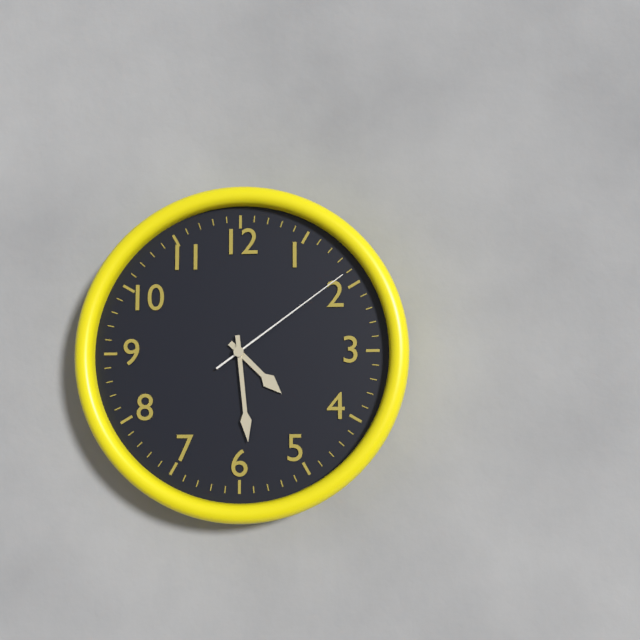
4.29.09
